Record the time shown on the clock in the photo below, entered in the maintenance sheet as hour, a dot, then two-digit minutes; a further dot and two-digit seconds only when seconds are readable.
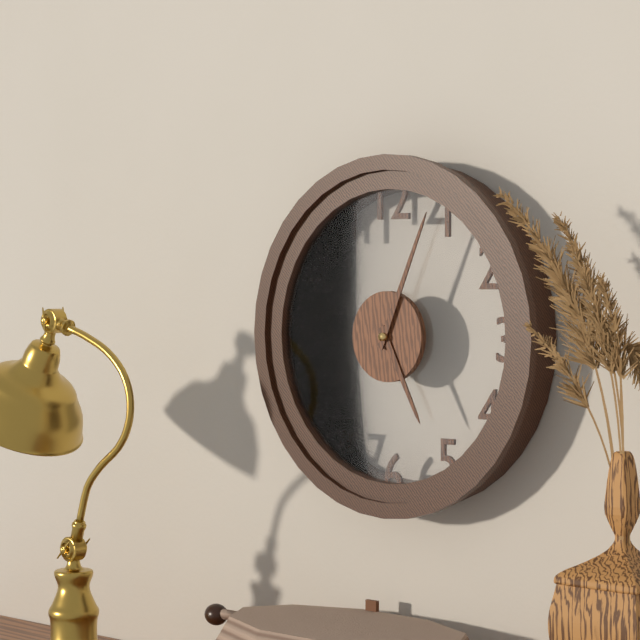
5.04
